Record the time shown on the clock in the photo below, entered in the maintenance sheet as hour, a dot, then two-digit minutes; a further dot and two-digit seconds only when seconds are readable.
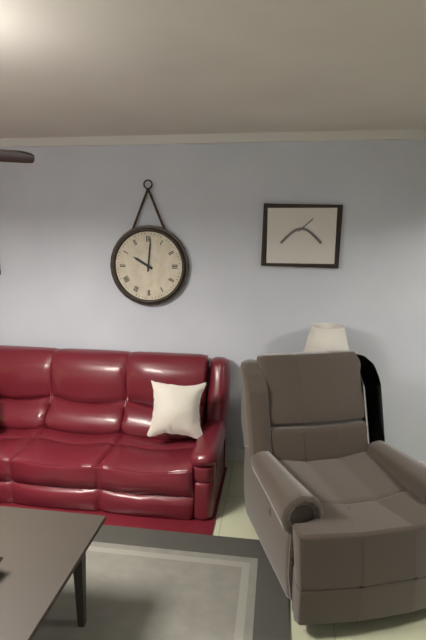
10.01
